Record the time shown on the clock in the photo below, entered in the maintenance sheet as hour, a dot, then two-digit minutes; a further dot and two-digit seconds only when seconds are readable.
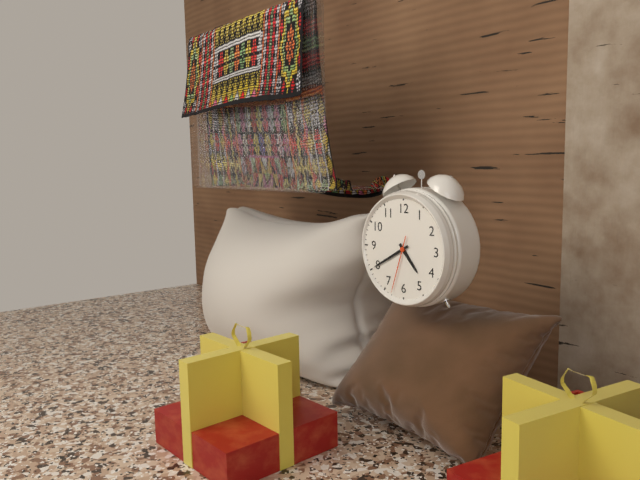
4.40.33
